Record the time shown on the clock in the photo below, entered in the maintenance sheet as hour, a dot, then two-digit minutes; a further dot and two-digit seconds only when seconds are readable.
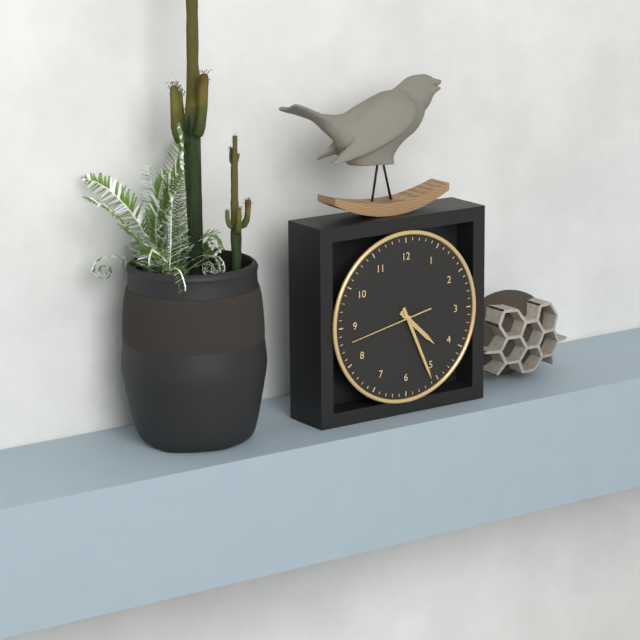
4.26.43
